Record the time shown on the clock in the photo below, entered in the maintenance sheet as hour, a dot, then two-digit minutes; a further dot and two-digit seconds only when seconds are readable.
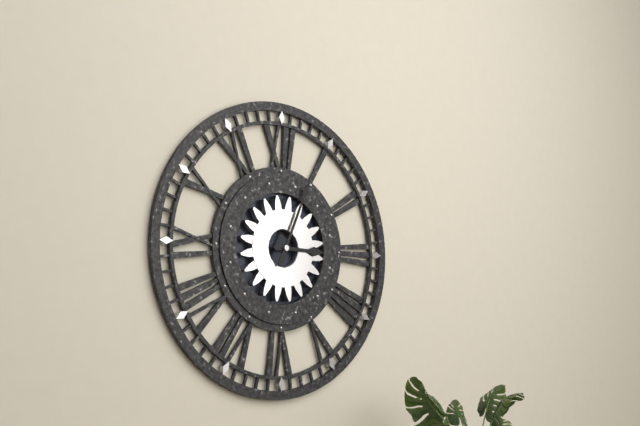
3.04
